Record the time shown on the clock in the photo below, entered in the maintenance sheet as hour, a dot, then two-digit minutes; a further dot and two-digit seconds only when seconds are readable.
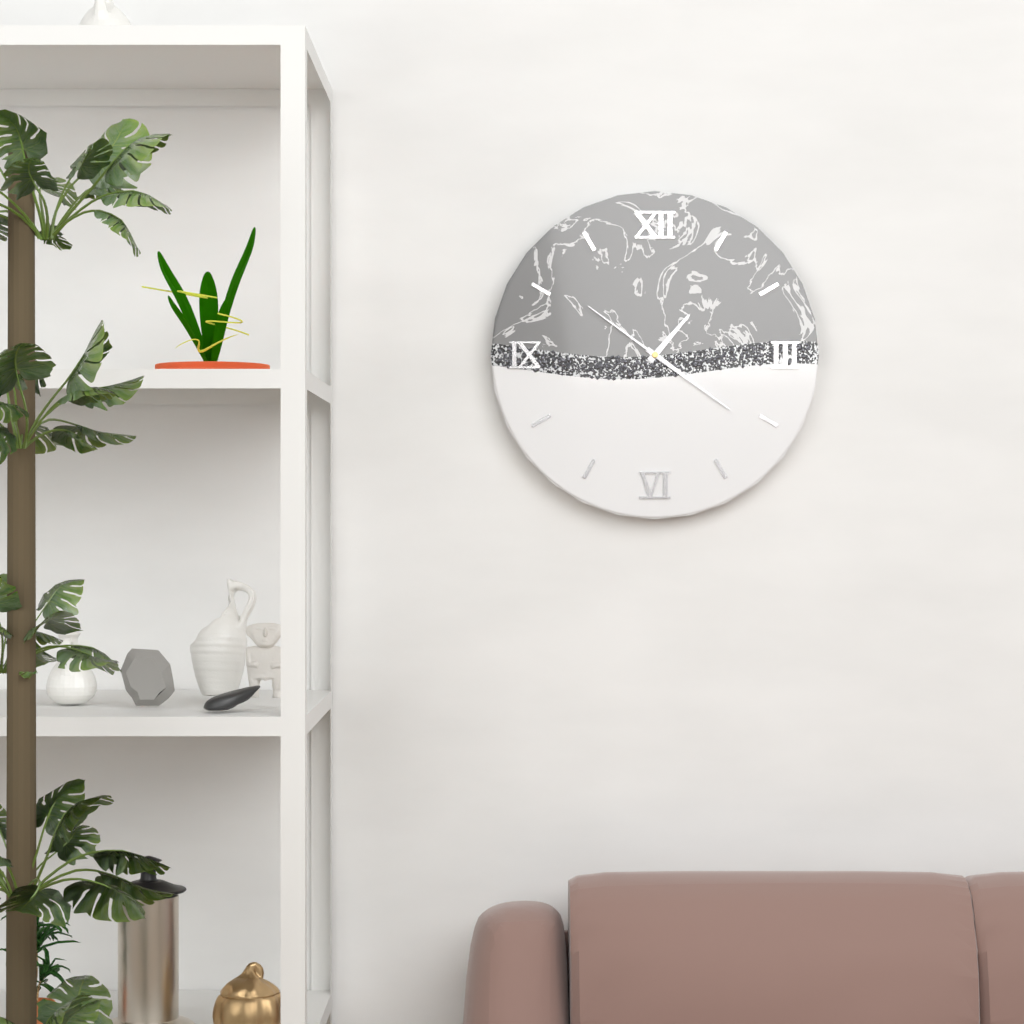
1.21.51
